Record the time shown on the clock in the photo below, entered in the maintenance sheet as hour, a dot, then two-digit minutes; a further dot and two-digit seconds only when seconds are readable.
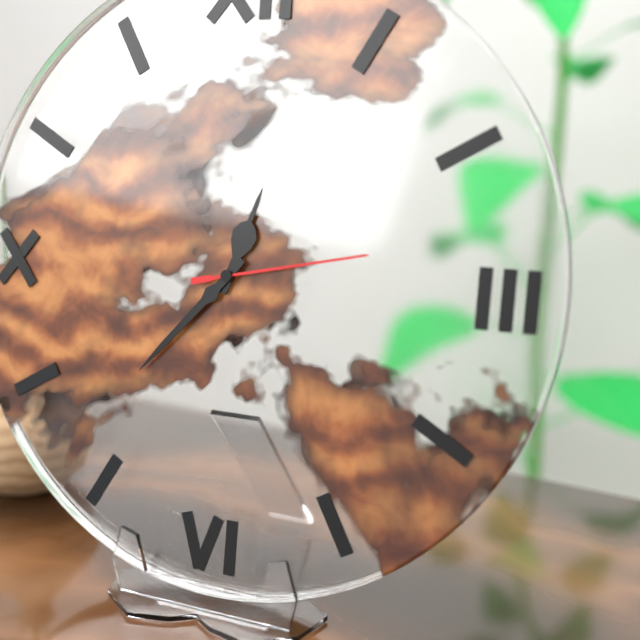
12.37.13
